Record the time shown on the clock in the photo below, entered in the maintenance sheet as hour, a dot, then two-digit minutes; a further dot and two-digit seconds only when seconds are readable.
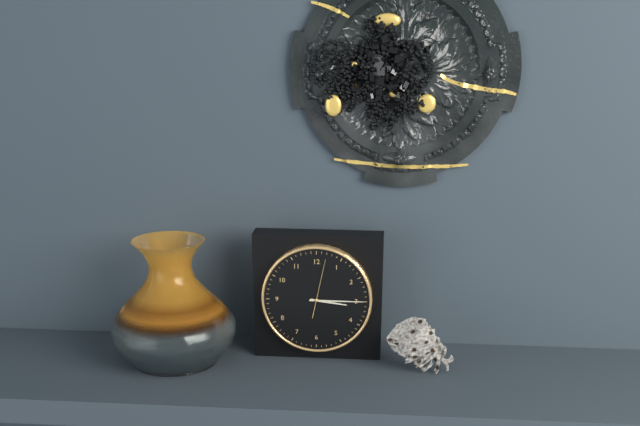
3.15.02
